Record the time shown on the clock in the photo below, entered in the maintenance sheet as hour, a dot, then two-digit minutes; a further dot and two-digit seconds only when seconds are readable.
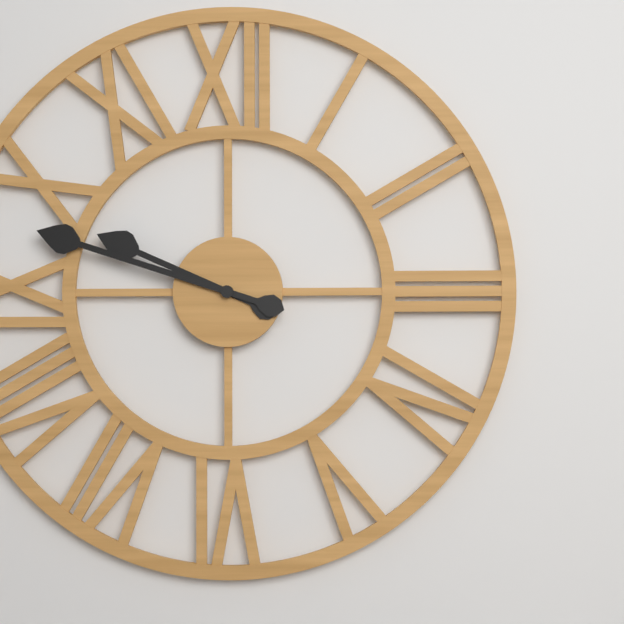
9.48
